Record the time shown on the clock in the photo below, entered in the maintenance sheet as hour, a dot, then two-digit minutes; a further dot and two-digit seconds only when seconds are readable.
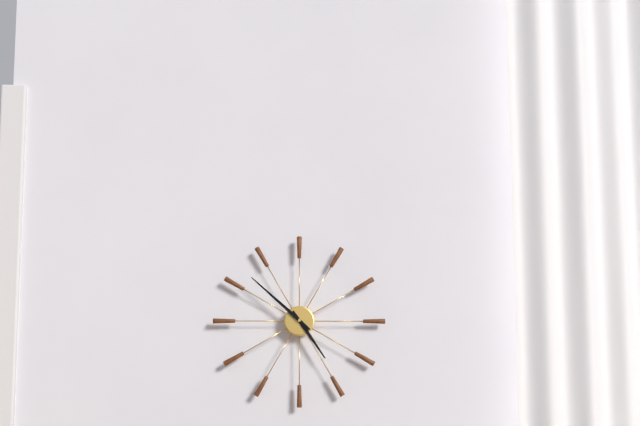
4.52
